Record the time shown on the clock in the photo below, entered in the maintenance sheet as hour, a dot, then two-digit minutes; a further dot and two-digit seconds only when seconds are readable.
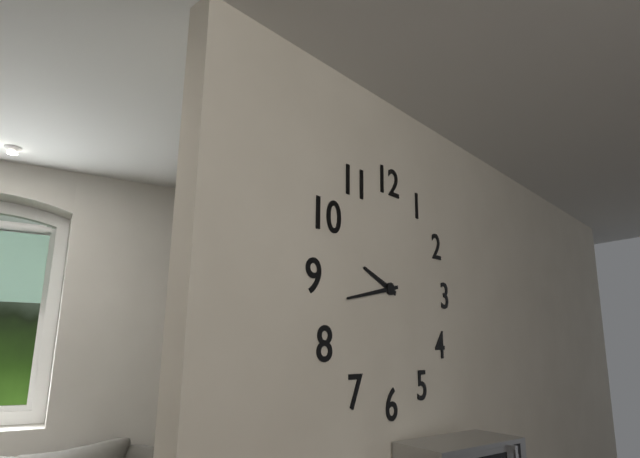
9.43
